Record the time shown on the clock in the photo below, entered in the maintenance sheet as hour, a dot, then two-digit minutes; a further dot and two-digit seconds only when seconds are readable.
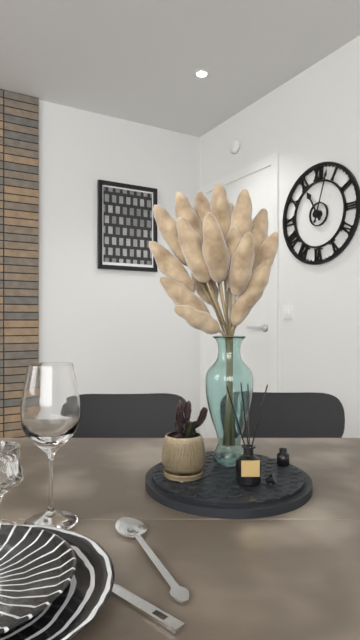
11.03
